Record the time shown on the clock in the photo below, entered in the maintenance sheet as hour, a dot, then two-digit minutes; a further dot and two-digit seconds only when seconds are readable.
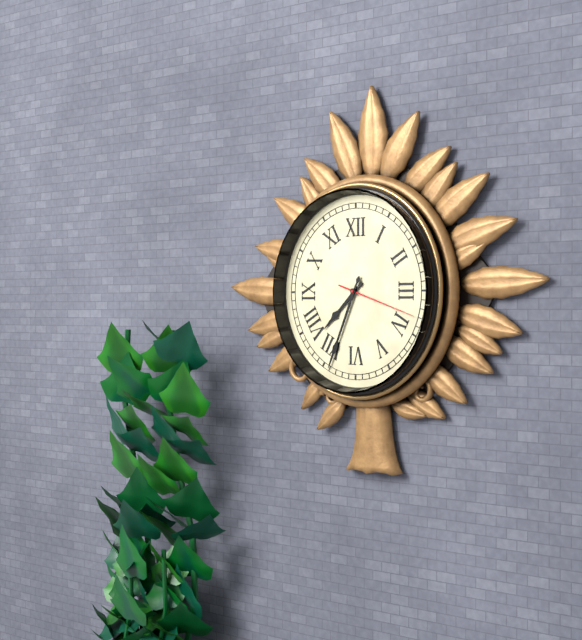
7.34.18
